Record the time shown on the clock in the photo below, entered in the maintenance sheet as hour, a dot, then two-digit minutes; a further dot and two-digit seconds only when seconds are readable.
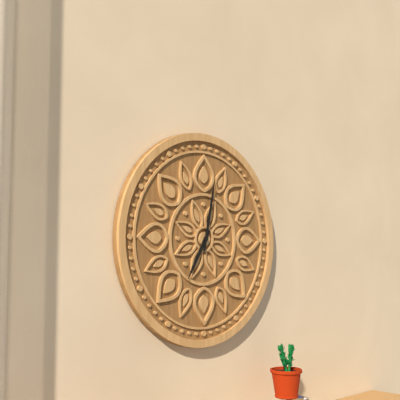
7.02
